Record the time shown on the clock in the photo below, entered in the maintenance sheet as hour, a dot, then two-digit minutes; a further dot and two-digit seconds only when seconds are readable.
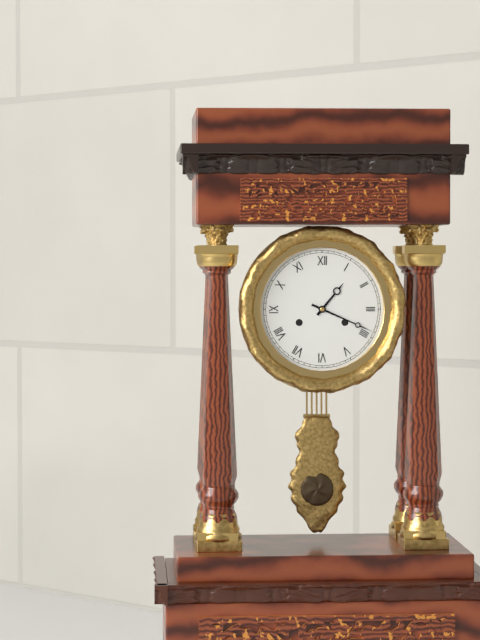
1.19
